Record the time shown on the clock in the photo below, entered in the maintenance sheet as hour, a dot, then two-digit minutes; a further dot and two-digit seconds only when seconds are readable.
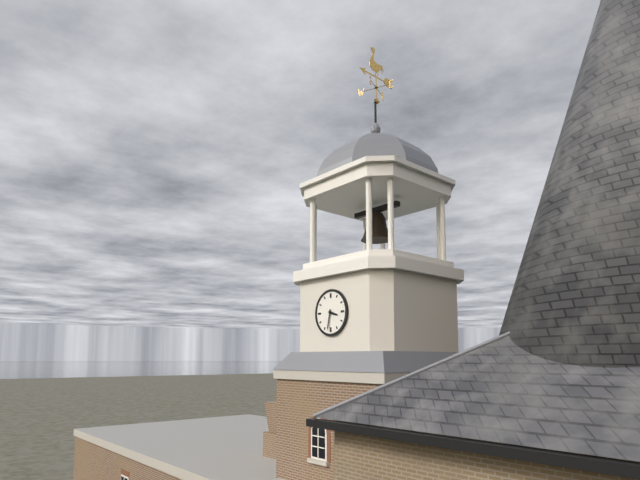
3.32
